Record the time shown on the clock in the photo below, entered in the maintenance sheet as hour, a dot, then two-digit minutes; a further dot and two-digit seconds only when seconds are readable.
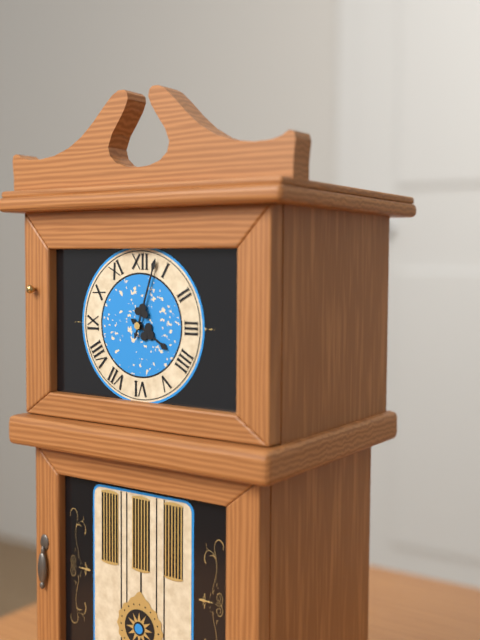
4.03
